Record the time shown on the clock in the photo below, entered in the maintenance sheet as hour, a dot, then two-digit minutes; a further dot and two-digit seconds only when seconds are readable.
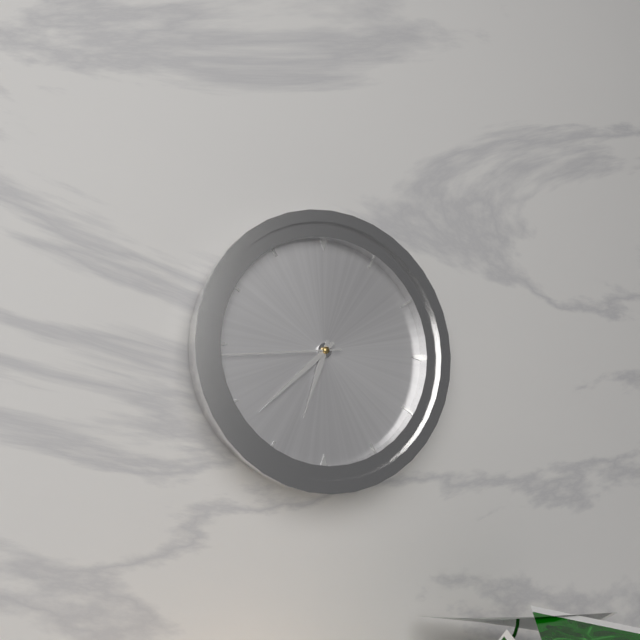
6.38.44
